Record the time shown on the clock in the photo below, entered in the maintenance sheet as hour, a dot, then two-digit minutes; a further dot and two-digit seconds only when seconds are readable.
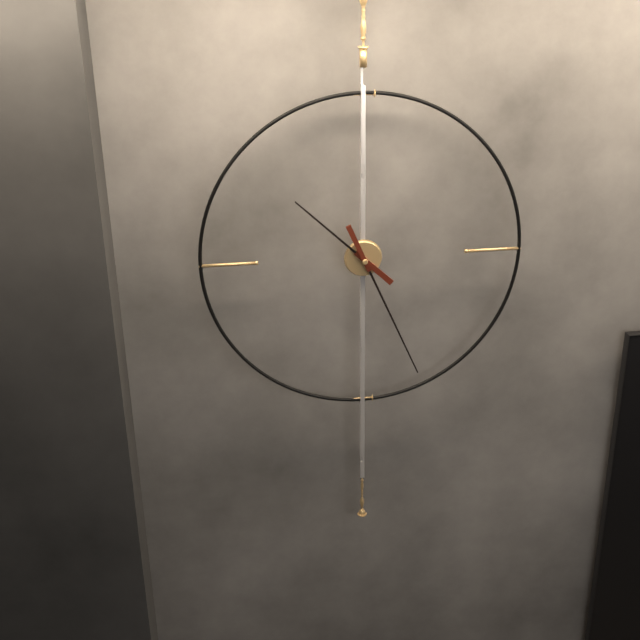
10.26
